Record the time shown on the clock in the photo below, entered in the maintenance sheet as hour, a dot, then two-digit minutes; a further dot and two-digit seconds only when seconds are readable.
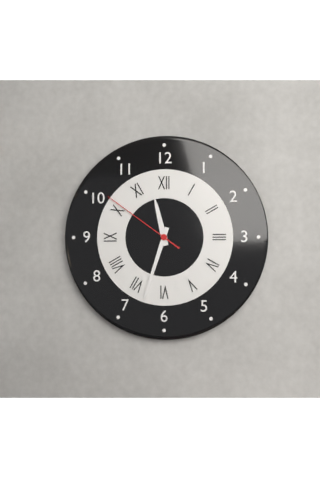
11.33.51
